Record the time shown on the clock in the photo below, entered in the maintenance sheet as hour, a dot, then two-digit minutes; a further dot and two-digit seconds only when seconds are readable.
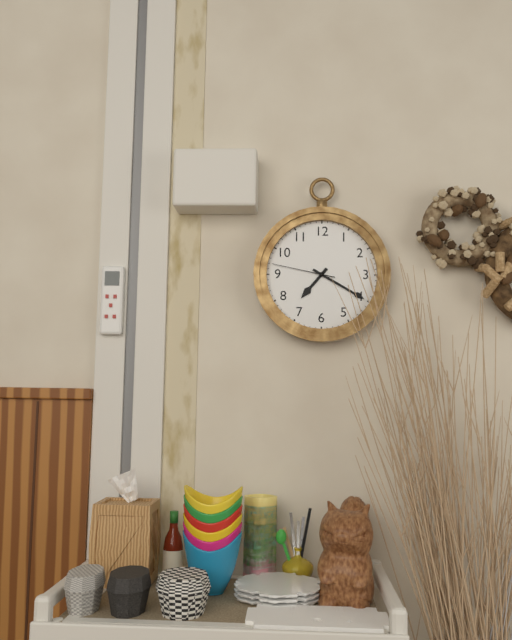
7.20.47
